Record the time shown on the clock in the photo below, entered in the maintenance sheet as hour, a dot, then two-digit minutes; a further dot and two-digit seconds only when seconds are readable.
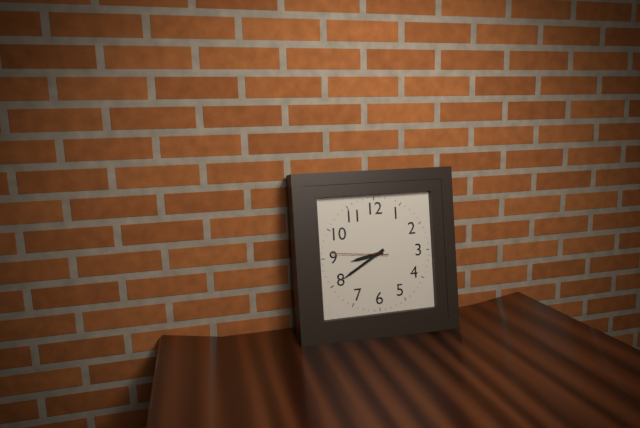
8.40.46
